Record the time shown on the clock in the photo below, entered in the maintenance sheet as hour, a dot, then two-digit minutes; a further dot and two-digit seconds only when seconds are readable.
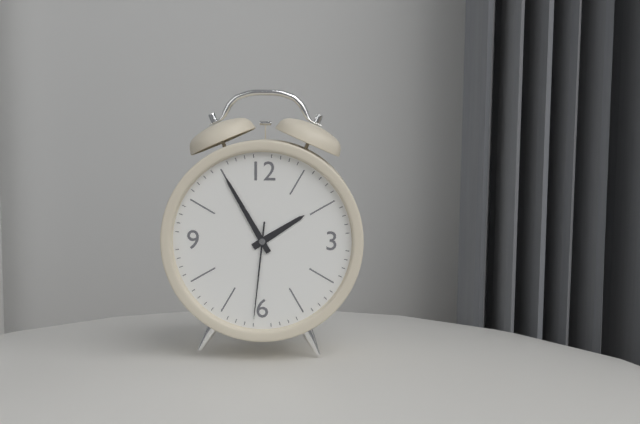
1.55.31
